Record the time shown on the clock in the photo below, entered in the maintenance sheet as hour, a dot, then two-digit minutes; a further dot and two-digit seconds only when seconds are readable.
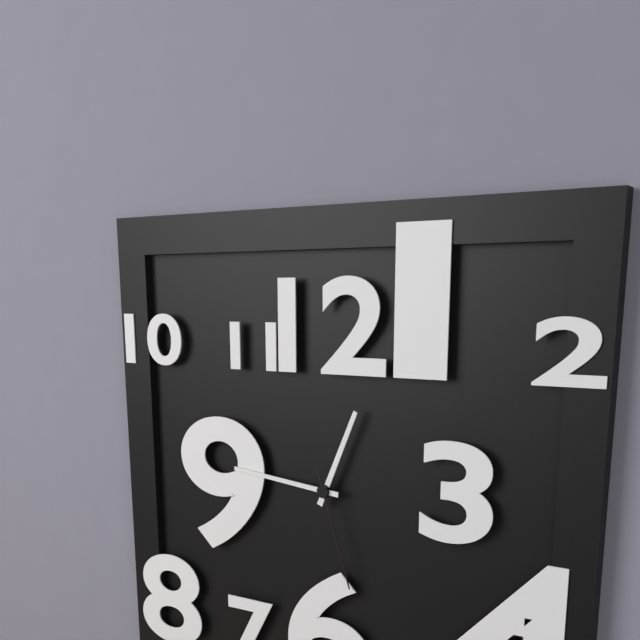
12.46.27
